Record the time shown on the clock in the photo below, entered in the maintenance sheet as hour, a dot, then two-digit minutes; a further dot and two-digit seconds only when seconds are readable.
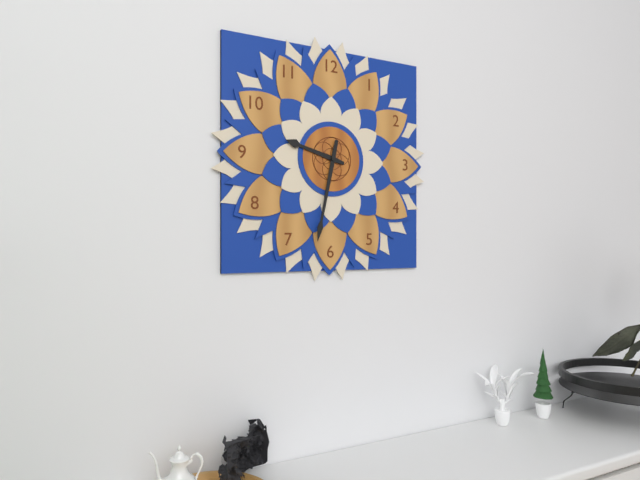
9.32
